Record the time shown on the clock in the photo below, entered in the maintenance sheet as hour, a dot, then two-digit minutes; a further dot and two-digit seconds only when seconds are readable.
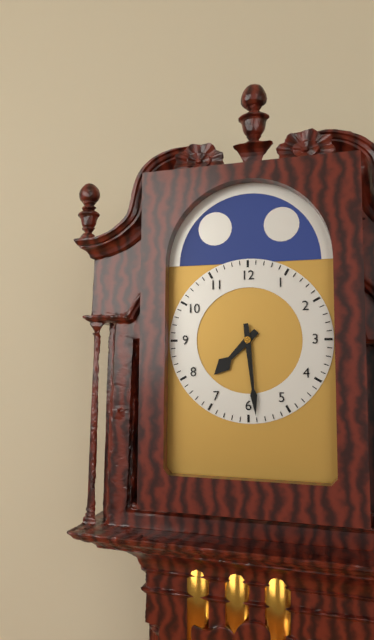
7.29
